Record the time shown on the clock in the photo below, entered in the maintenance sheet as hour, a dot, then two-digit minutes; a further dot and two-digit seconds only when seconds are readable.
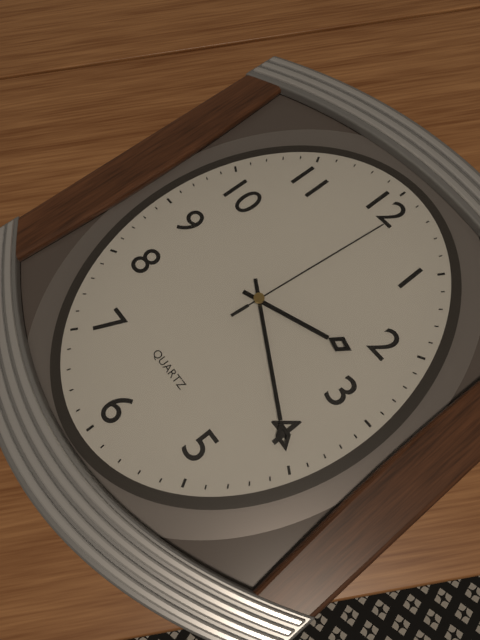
2.20.01
